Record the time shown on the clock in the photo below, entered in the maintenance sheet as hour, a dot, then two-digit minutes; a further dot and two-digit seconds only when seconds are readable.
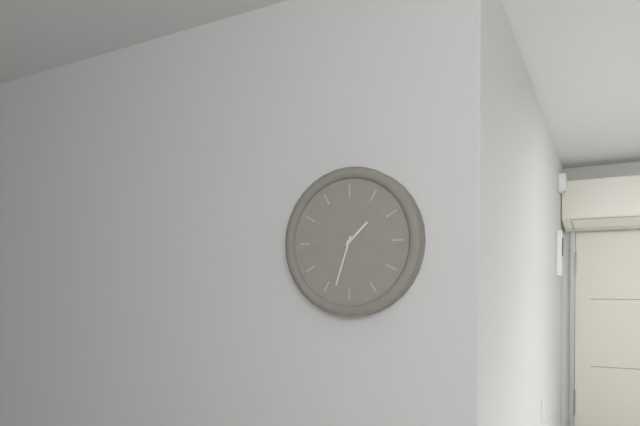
1.33
